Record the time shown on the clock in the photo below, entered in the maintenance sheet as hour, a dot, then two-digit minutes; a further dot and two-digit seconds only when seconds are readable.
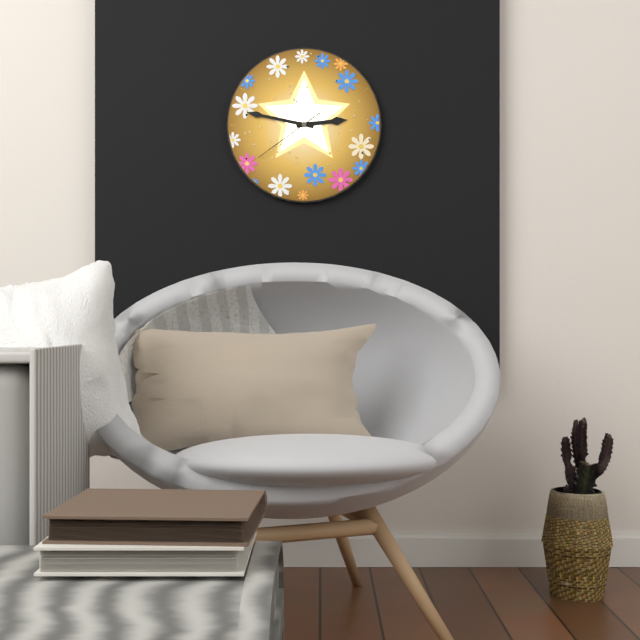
2.47.39
